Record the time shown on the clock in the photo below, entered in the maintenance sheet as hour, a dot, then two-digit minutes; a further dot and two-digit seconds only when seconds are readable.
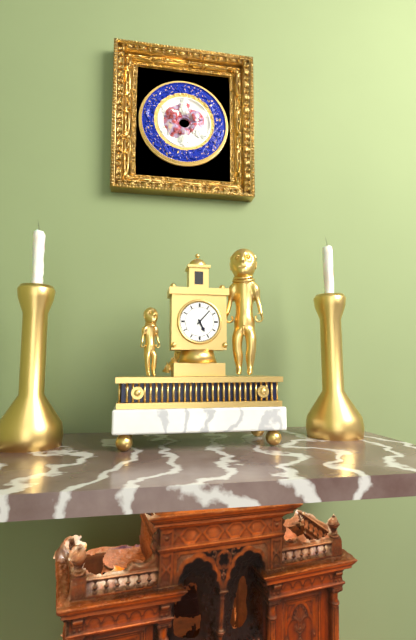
5.07
